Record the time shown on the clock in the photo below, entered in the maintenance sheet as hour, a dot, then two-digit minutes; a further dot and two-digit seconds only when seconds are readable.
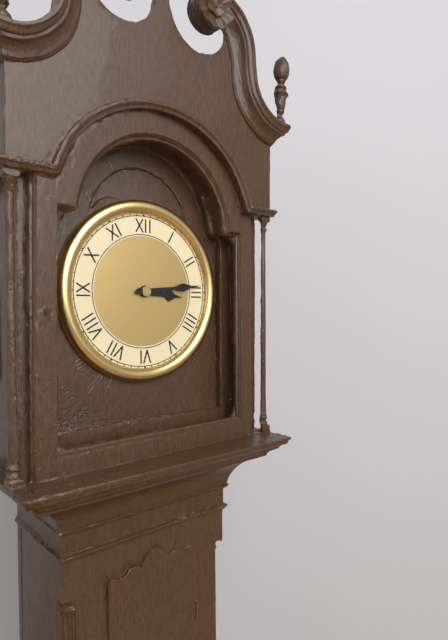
3.14
